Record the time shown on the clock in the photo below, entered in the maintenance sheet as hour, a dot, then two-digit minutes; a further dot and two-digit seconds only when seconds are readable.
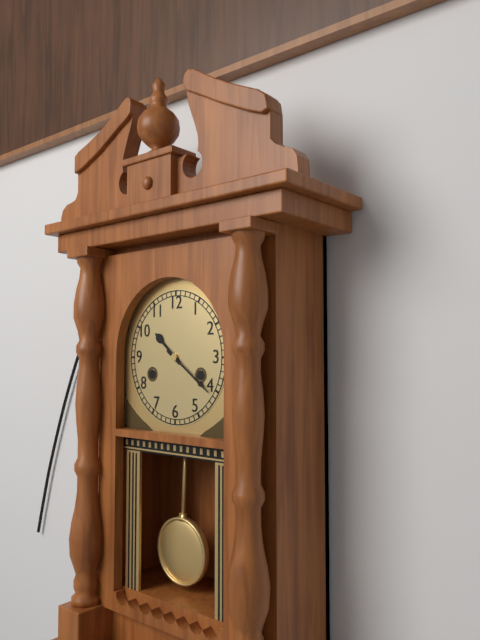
10.21
